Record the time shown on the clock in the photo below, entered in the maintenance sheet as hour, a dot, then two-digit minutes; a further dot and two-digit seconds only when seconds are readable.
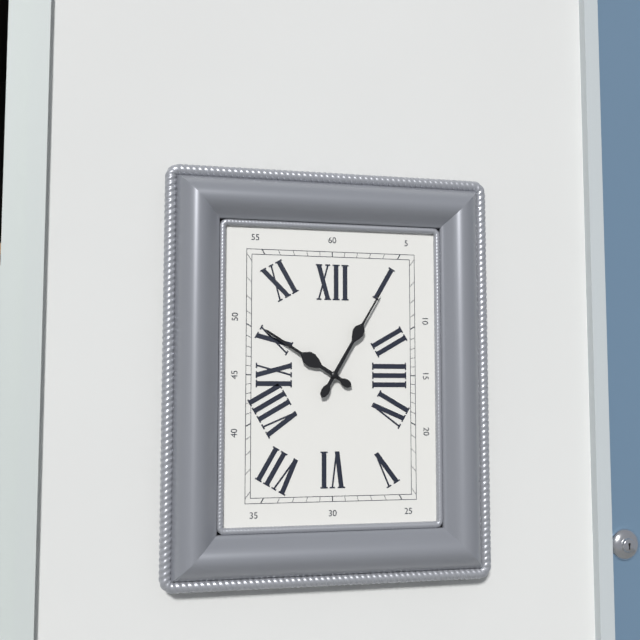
10.05
